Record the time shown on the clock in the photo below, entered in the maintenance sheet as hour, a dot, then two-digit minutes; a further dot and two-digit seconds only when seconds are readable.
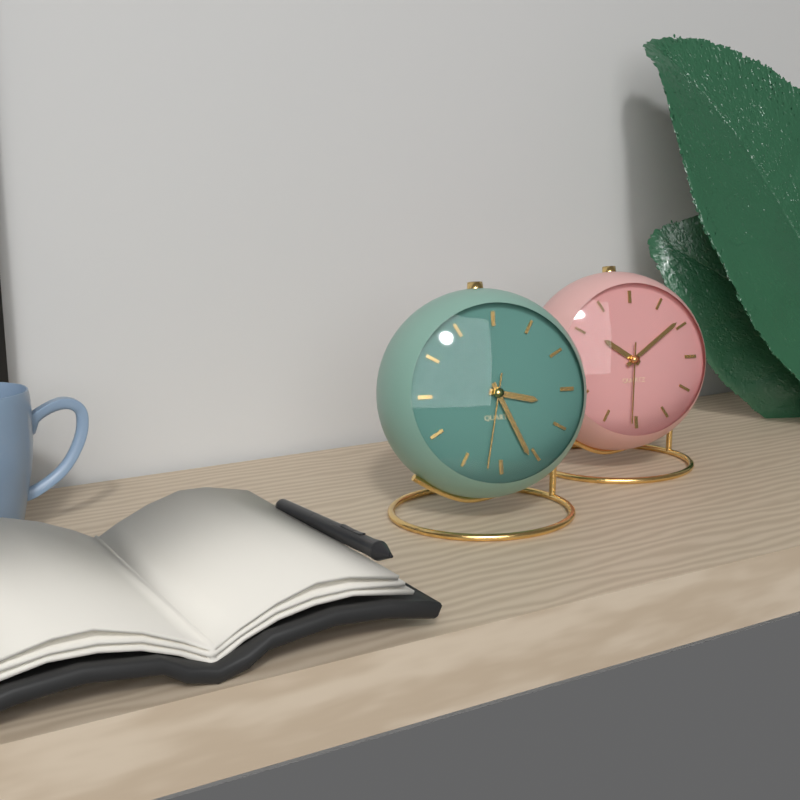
3.26.32
